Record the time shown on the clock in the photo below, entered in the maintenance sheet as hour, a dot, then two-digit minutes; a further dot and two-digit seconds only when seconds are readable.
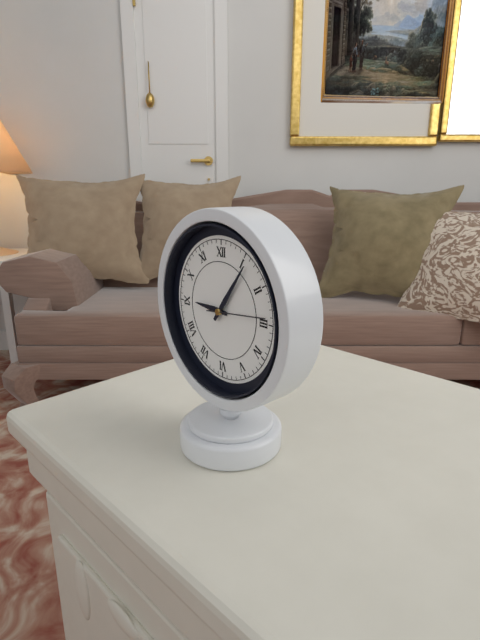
9.06.14
